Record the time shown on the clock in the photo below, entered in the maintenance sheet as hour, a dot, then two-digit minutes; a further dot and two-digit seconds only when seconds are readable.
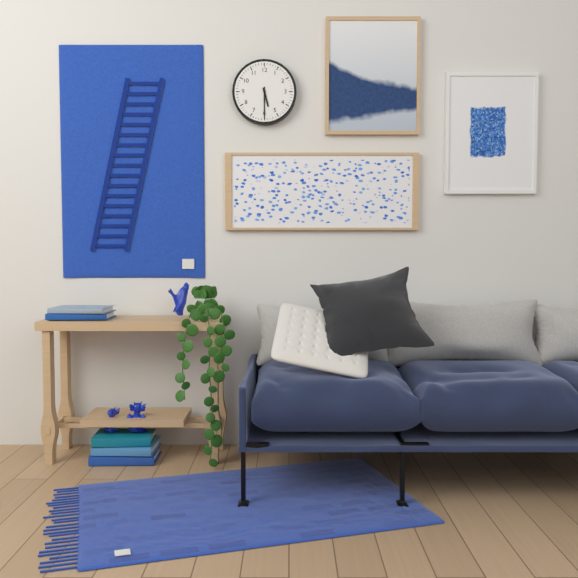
5.30
